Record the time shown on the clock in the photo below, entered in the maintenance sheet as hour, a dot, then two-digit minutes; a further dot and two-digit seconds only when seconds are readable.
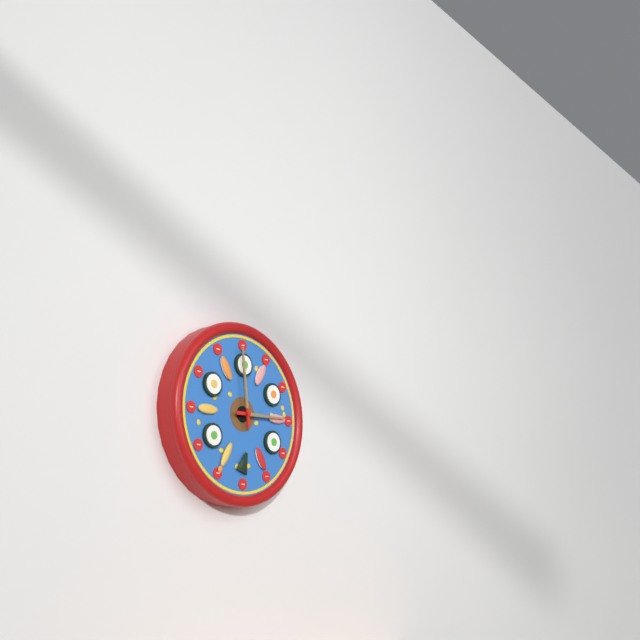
2.59
